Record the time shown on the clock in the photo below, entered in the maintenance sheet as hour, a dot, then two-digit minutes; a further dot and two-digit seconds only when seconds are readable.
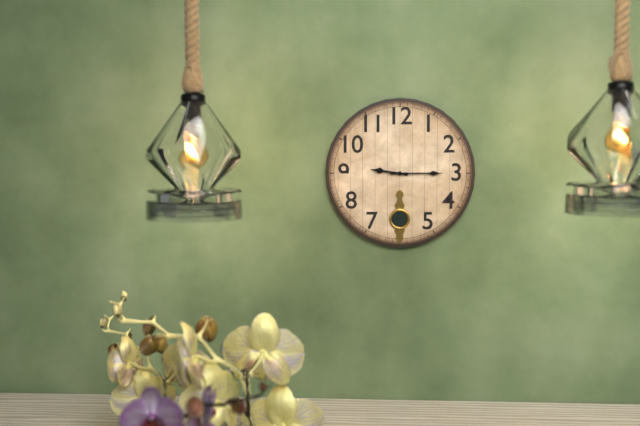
9.15
